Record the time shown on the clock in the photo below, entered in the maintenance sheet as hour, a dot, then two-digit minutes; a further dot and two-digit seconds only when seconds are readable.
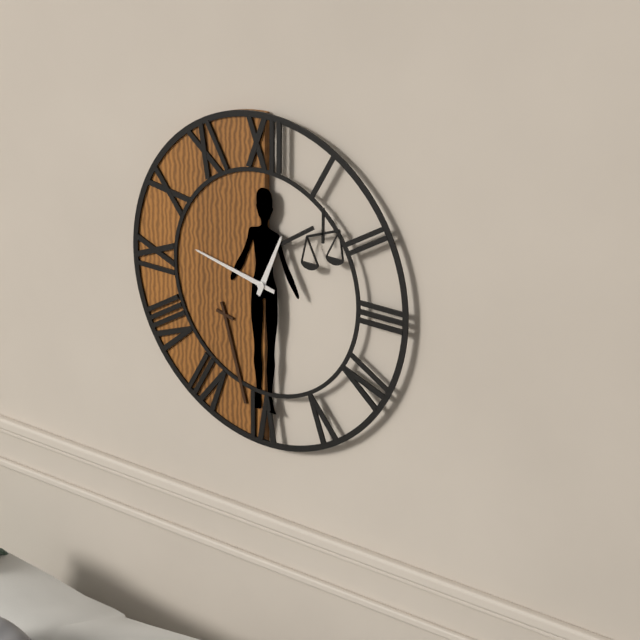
12.47
